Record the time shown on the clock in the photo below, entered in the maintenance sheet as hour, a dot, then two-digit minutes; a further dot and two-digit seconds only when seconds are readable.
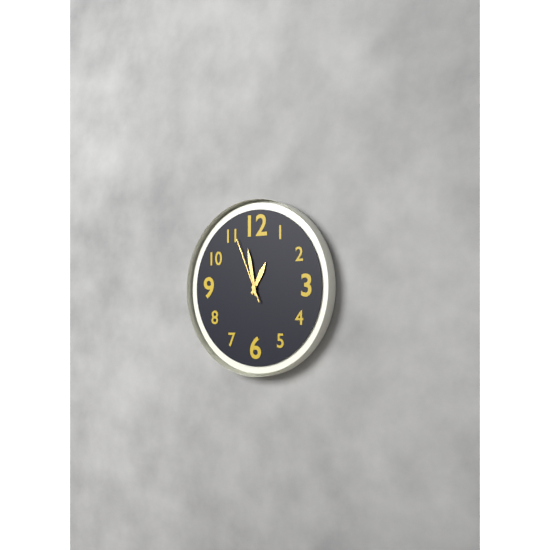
12.58.56
